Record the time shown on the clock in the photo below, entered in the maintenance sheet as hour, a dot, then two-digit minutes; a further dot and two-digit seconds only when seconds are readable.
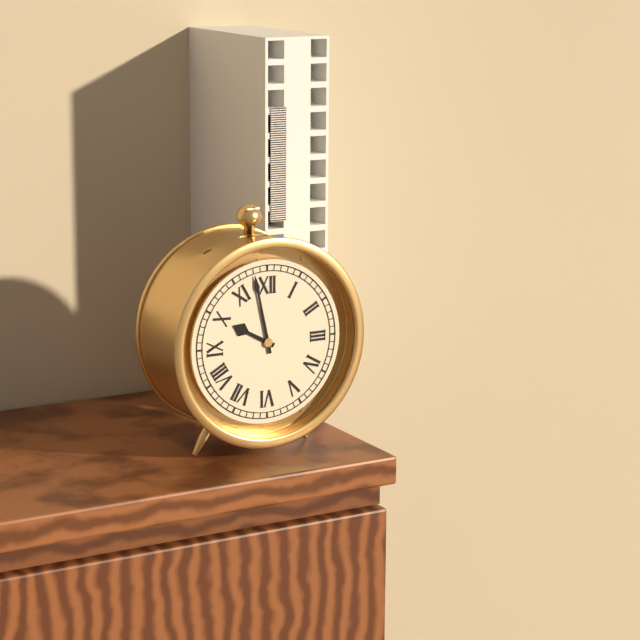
9.58
